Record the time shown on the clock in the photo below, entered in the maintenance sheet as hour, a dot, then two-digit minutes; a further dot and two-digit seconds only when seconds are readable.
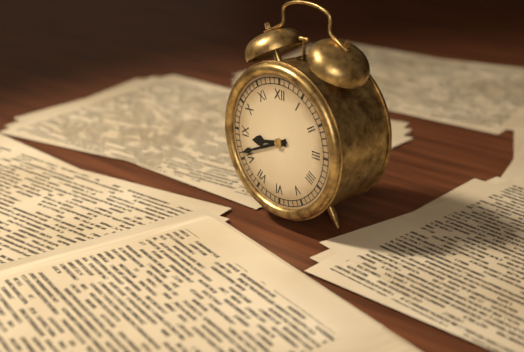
8.41
